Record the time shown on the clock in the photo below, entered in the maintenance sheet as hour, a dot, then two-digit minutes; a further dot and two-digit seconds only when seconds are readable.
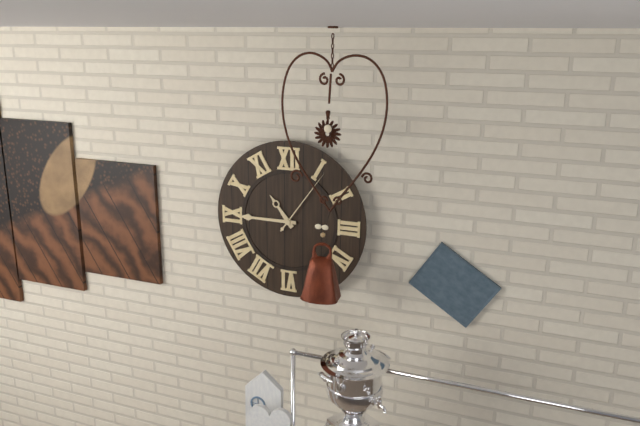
10.45.06
